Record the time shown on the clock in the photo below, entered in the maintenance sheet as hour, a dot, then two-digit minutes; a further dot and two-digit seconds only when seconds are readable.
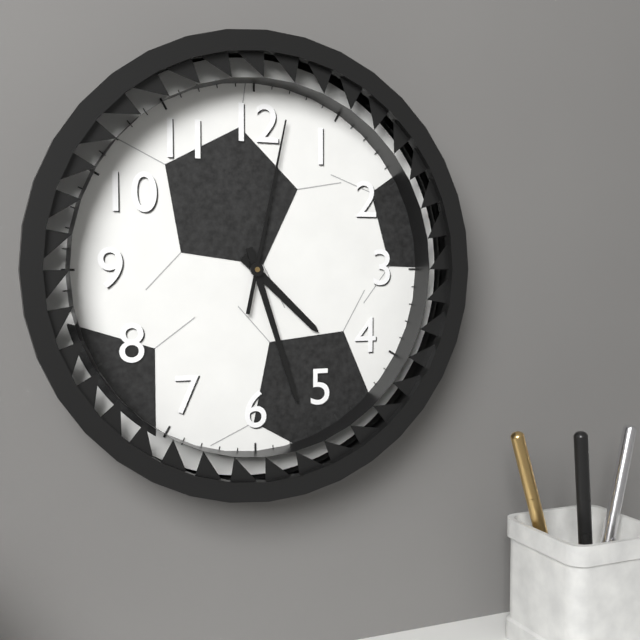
4.27.02
